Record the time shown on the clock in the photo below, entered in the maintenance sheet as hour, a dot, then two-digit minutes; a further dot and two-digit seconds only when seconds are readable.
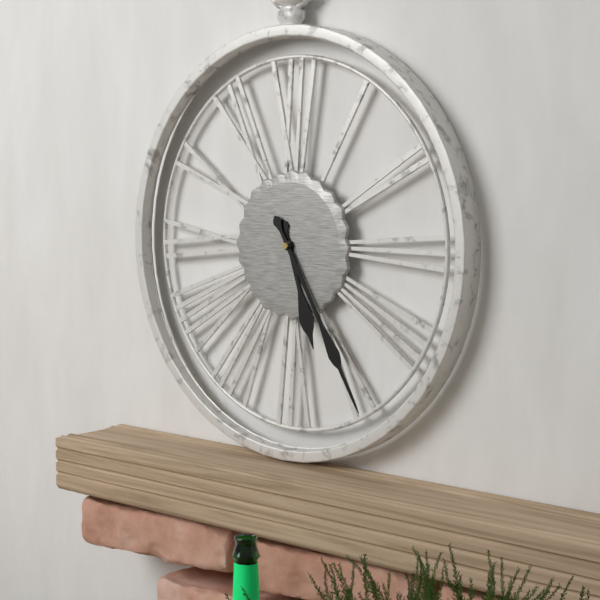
5.25
